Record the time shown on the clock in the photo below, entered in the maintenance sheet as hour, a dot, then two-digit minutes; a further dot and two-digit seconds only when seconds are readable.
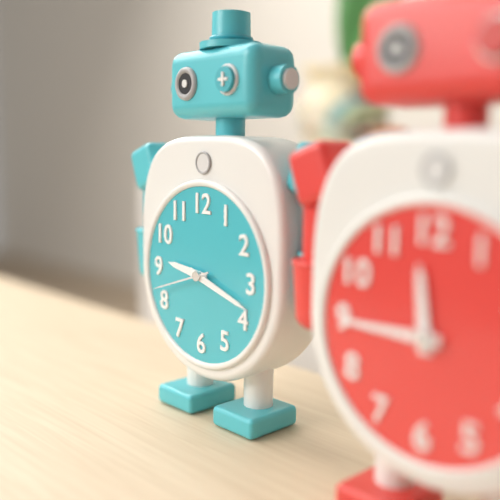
9.18.42
